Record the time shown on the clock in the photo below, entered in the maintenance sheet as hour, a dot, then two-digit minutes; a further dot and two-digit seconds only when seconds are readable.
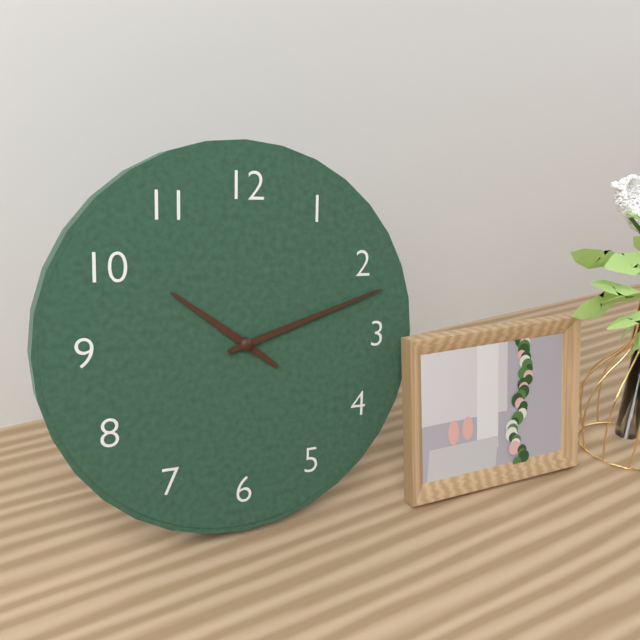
10.12
